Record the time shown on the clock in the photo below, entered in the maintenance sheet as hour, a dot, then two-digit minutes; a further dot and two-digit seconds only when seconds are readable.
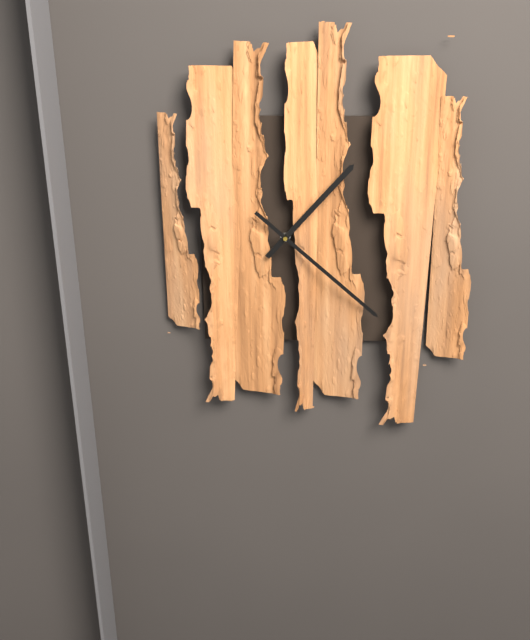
1.22
